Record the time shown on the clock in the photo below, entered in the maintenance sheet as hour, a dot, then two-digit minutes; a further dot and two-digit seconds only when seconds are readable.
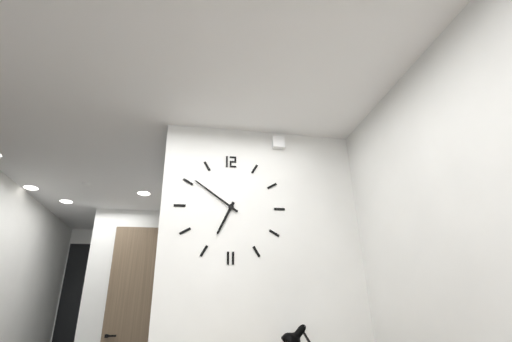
6.51
